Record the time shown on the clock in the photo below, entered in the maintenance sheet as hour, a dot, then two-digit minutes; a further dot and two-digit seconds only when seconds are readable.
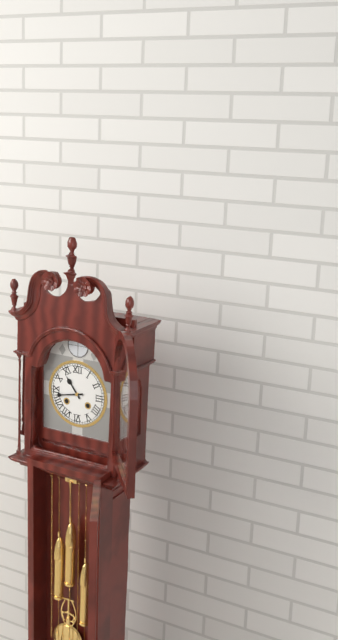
10.43
